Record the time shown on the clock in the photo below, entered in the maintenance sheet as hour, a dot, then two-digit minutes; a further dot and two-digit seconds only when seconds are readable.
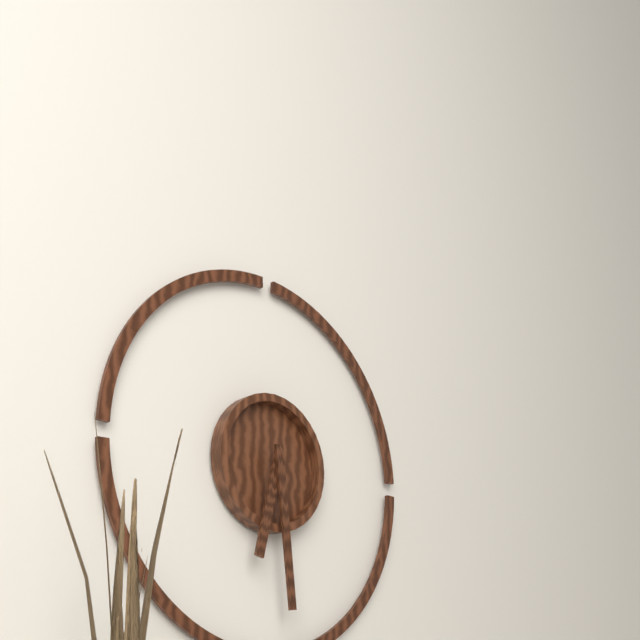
6.29
